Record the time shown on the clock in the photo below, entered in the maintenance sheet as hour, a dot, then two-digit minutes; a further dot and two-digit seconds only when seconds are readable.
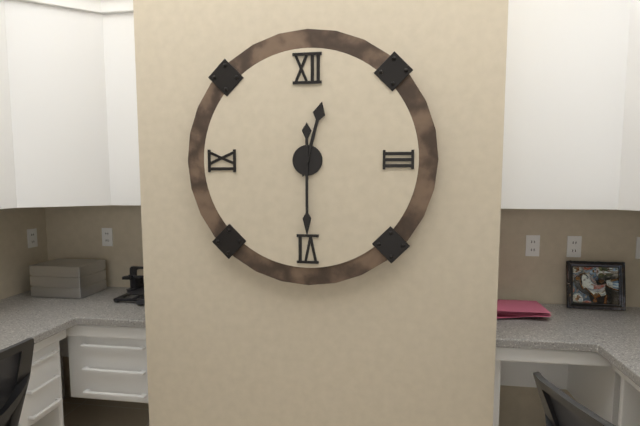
12.30
